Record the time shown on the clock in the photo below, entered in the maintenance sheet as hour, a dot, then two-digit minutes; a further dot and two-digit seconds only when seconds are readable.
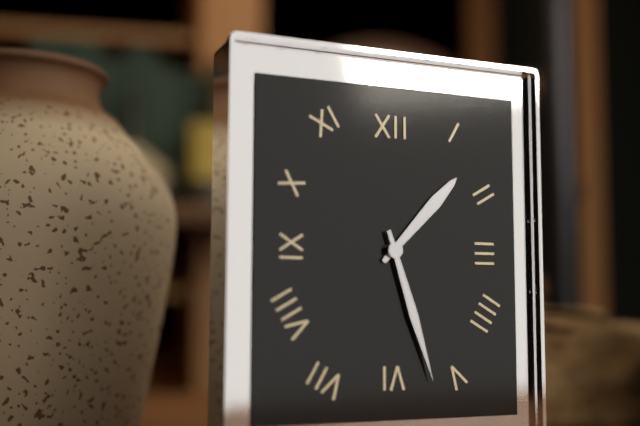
1.27
